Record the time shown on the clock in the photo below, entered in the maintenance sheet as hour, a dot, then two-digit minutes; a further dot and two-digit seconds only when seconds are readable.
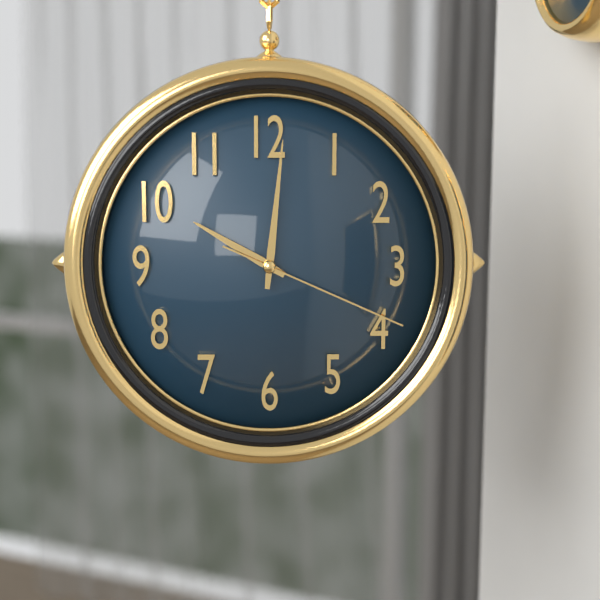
10.01.19
